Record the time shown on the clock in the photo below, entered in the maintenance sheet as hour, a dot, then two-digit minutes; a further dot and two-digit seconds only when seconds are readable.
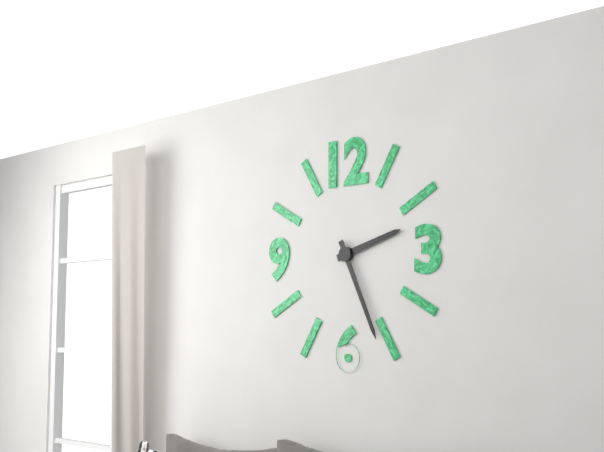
2.26
